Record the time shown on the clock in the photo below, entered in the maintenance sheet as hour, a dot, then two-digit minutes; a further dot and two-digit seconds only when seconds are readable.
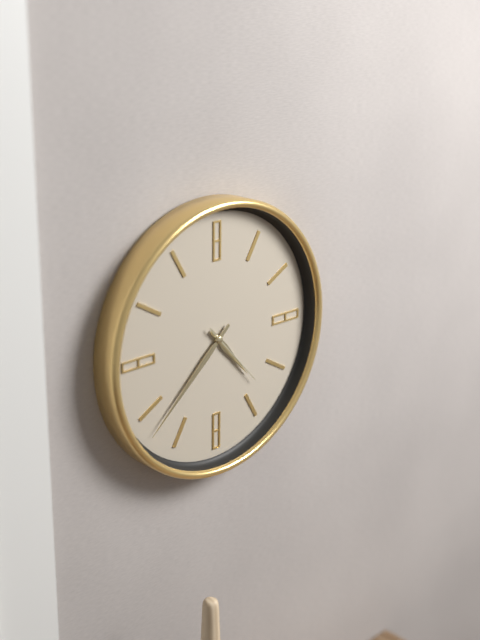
4.38.23
